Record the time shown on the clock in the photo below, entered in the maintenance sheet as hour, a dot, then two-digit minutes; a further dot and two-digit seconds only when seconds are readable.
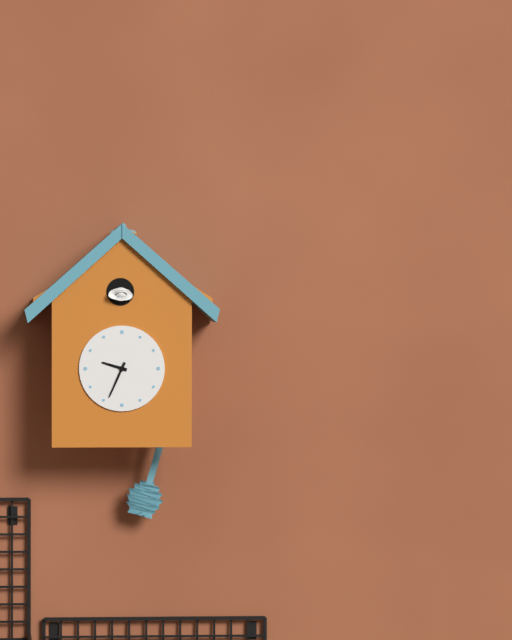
9.34
